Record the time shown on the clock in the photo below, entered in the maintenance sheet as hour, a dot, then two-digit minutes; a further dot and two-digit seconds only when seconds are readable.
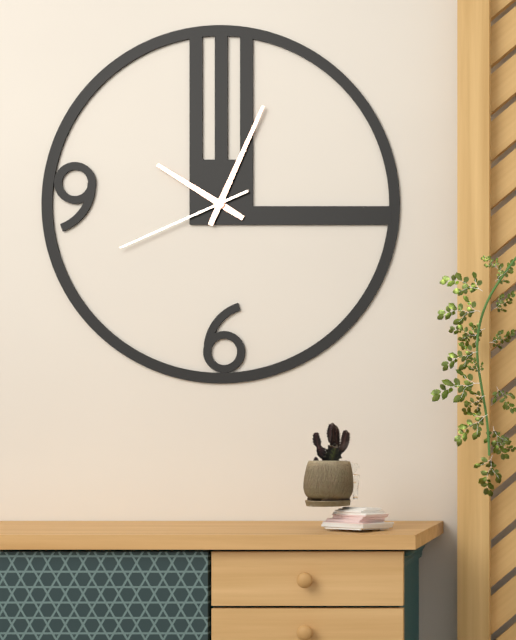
10.04.41
